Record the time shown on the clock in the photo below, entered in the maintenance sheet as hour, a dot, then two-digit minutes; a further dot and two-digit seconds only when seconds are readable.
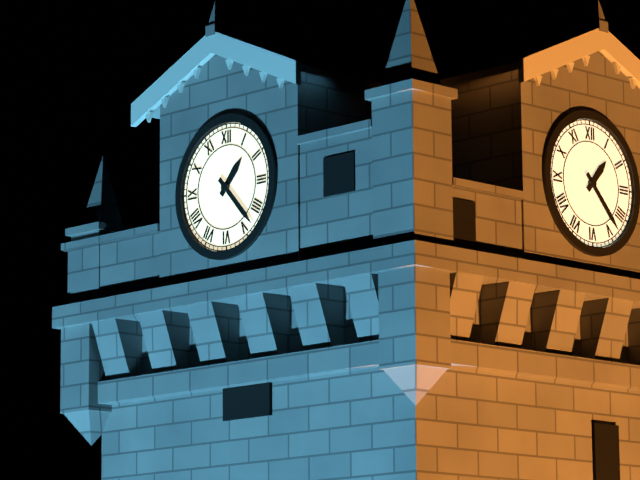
1.23
